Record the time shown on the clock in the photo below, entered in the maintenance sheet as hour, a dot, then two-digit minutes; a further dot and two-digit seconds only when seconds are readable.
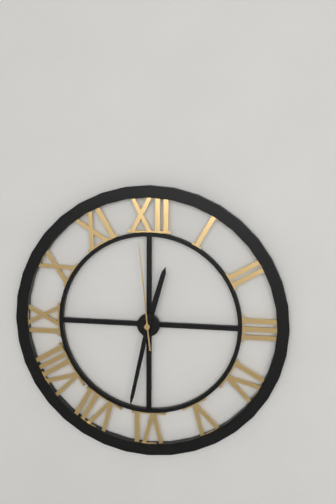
12.32.59
